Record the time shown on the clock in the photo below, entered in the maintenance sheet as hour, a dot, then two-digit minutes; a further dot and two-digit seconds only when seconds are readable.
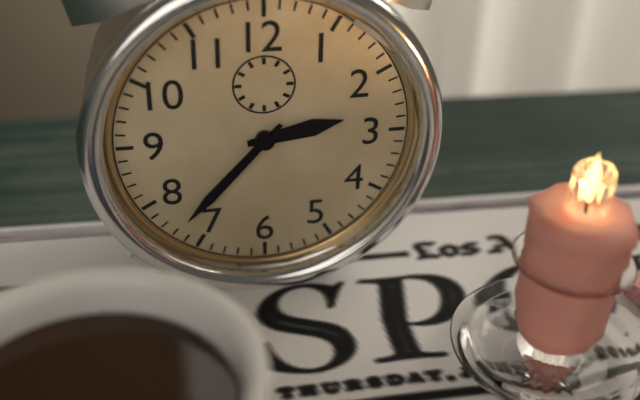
2.37
